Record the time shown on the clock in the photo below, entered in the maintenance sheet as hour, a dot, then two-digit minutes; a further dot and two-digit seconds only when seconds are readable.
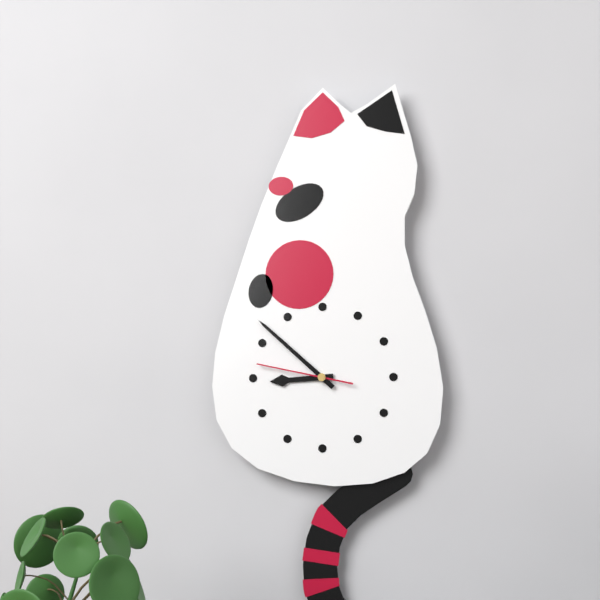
8.52.47
